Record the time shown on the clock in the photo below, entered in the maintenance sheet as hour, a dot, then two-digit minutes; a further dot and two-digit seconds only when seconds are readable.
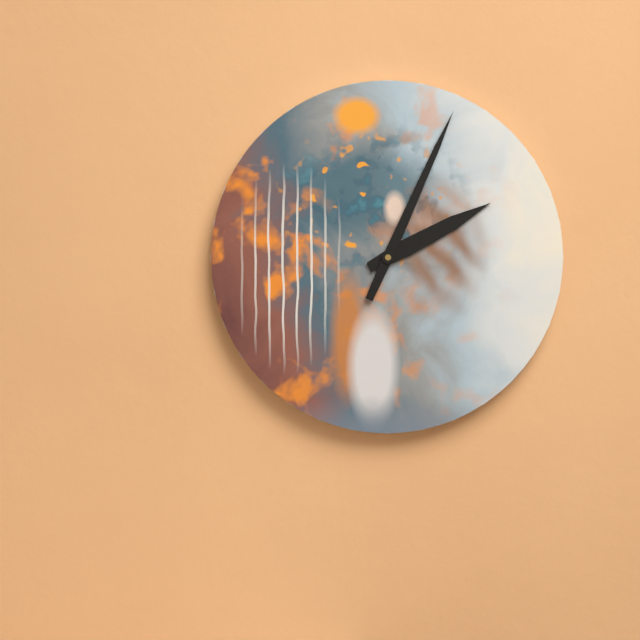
2.04
